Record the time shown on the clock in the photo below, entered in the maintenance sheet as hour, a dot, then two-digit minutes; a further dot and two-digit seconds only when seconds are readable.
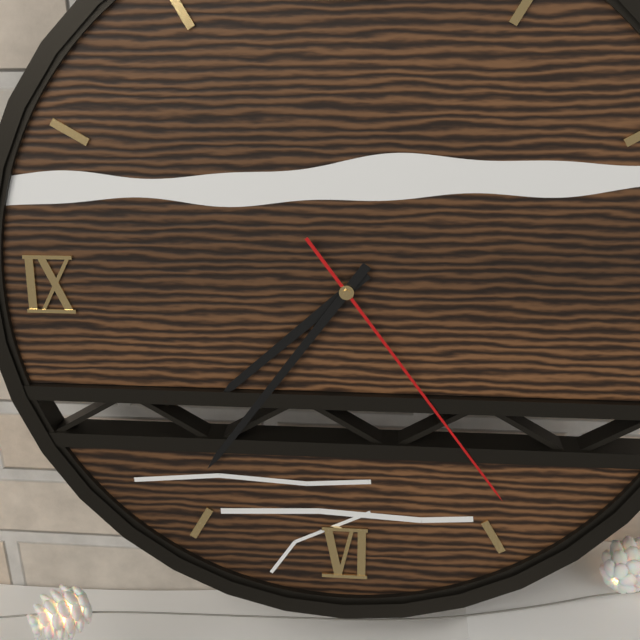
7.36.24
